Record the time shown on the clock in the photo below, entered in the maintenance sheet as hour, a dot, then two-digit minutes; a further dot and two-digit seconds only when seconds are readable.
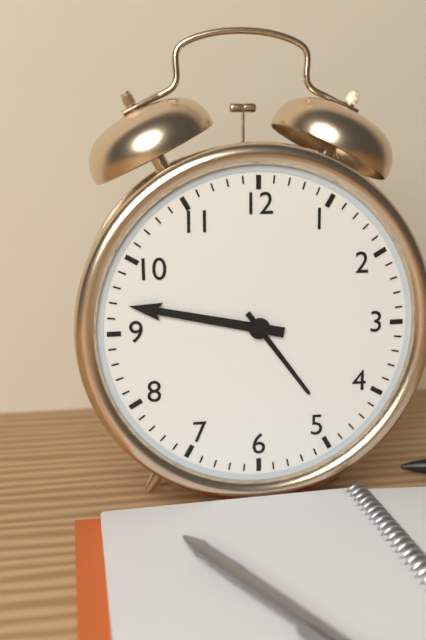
4.47
